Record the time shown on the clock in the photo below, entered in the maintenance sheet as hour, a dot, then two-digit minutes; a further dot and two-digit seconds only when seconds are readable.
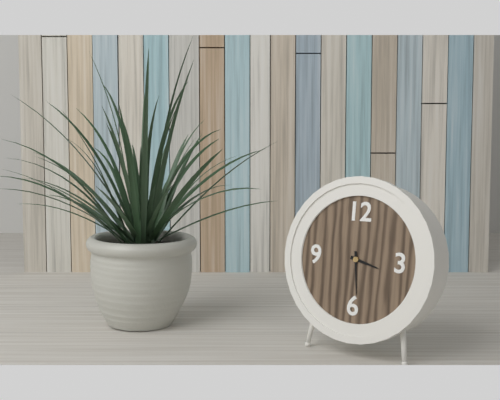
3.29
